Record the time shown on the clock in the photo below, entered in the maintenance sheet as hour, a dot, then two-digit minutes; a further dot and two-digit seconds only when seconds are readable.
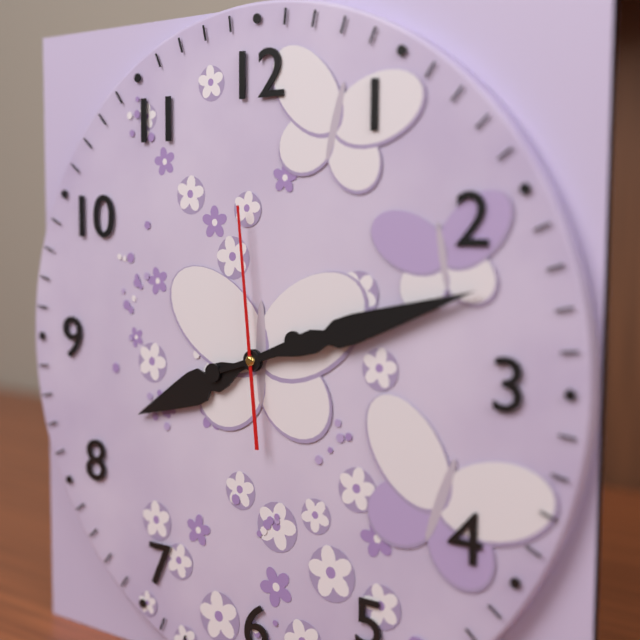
8.12.59
